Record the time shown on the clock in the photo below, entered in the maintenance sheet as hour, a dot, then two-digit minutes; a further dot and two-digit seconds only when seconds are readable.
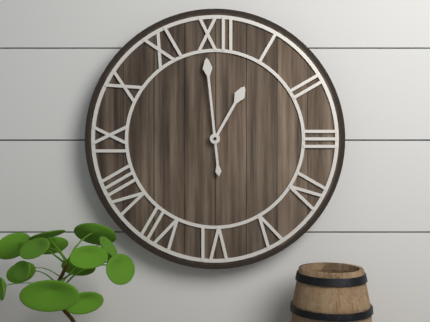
12.59
